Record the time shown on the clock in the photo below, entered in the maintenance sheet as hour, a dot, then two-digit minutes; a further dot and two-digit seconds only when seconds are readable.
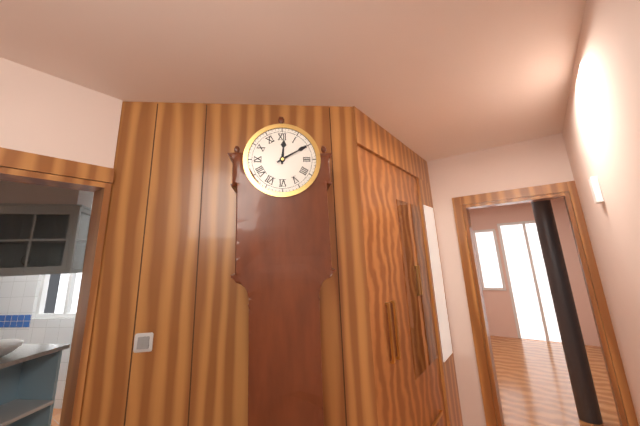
12.10
